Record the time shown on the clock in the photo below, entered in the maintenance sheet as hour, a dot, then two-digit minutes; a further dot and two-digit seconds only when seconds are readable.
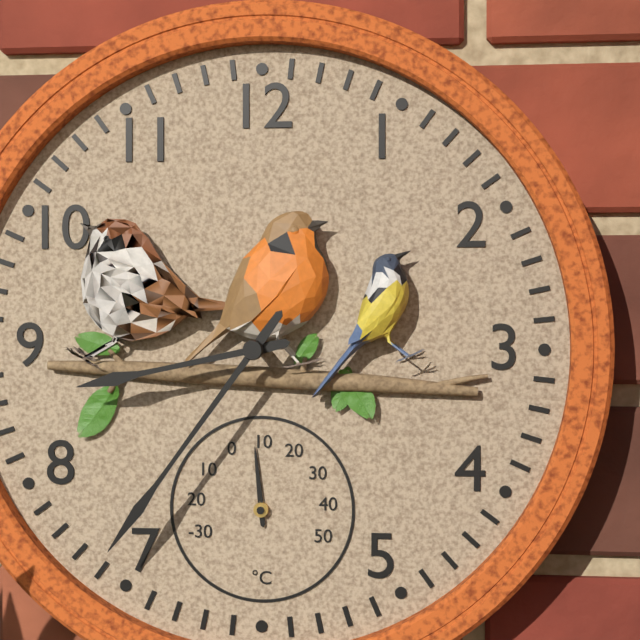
8.36
